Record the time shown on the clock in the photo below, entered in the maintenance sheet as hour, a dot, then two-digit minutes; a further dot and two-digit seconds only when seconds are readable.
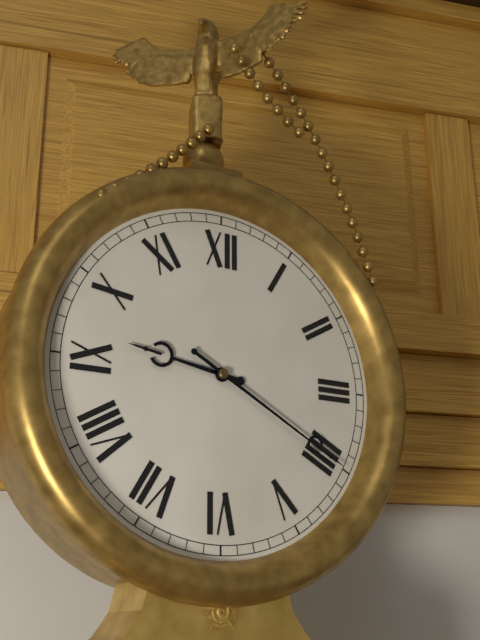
9.20
